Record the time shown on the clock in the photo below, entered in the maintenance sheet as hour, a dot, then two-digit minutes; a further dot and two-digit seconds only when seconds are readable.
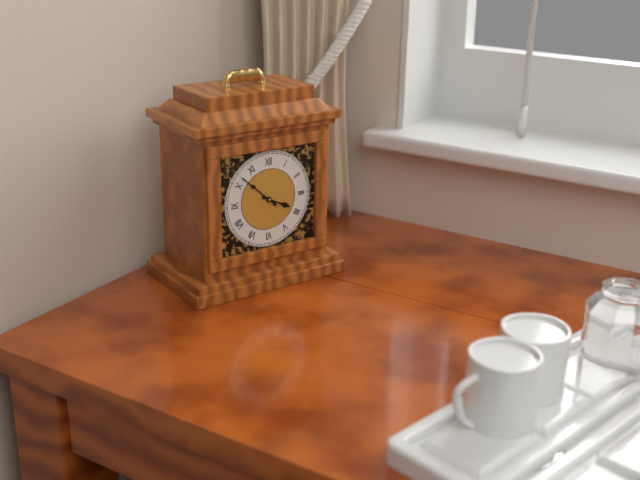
3.52
